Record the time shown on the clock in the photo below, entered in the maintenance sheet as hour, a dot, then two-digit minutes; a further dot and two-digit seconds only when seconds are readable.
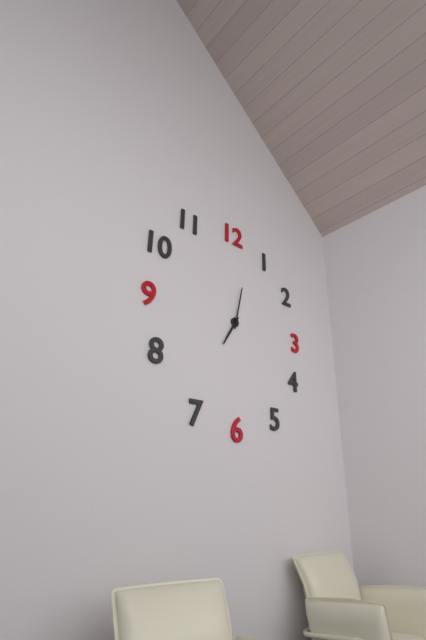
7.02
